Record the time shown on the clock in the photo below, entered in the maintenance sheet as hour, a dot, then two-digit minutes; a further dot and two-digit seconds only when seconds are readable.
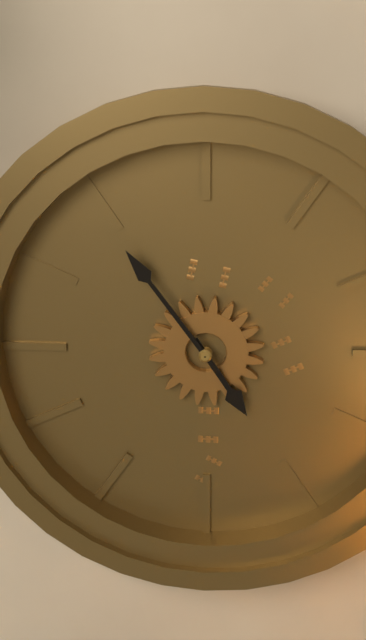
4.54
